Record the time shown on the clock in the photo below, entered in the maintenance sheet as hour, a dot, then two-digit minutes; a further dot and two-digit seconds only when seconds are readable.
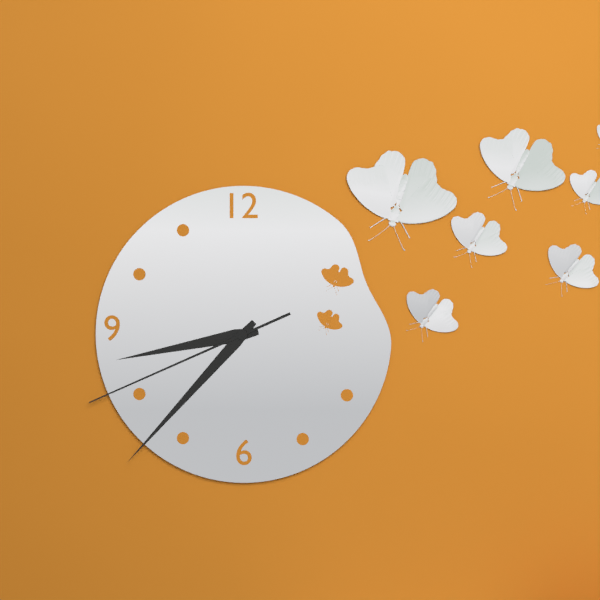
8.37.41
